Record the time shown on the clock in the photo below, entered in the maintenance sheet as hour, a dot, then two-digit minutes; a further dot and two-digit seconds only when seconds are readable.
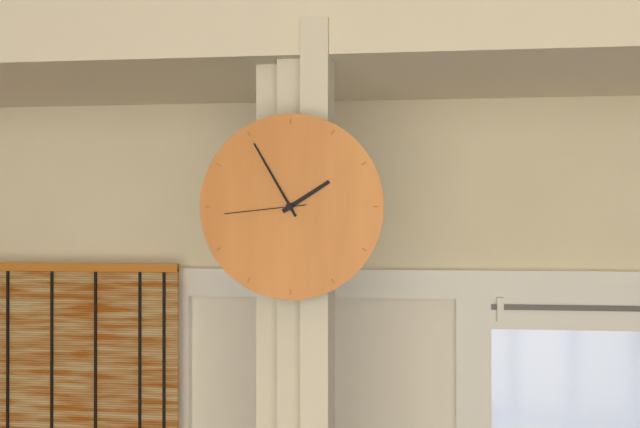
1.55.44
